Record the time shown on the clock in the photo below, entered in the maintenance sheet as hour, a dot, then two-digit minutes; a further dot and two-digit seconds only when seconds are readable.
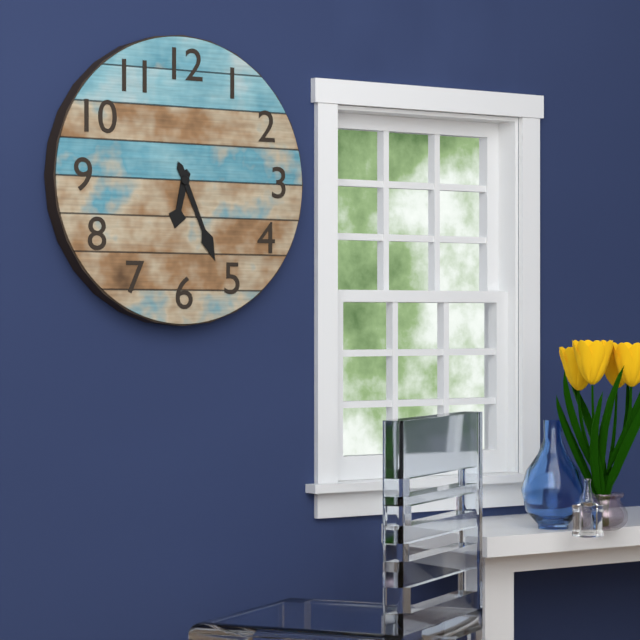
6.26
